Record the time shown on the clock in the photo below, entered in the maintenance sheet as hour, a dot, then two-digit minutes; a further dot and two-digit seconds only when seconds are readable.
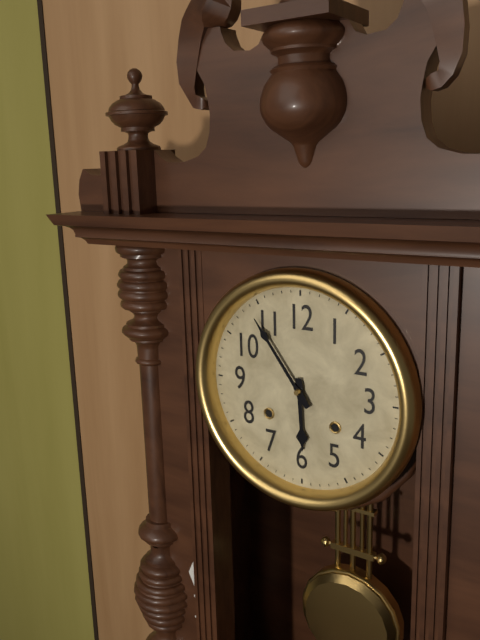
5.54
